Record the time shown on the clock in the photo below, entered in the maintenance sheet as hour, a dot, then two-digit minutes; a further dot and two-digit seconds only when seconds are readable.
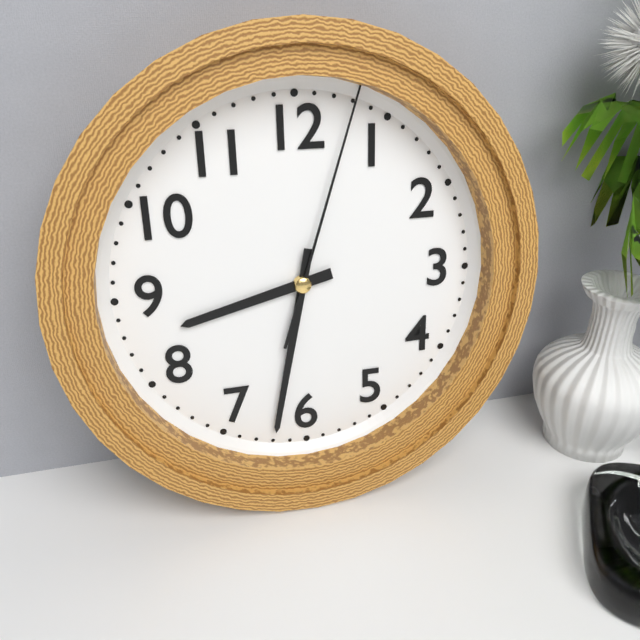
8.32.03
